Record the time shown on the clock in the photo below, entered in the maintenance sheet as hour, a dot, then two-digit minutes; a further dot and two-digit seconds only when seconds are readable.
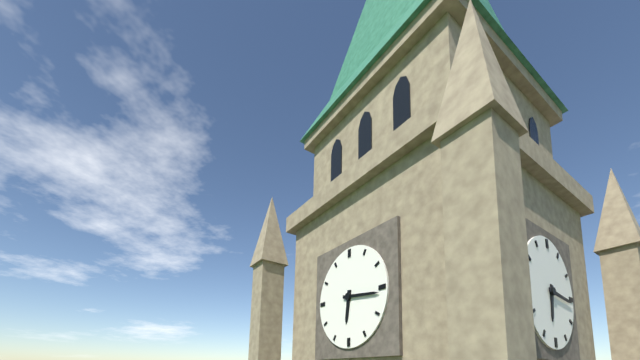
6.16
